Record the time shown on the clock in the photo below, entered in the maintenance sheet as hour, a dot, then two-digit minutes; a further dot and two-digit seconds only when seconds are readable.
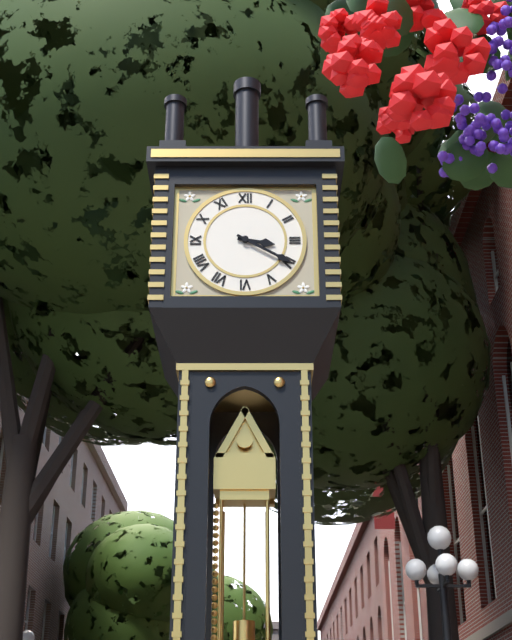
3.20
